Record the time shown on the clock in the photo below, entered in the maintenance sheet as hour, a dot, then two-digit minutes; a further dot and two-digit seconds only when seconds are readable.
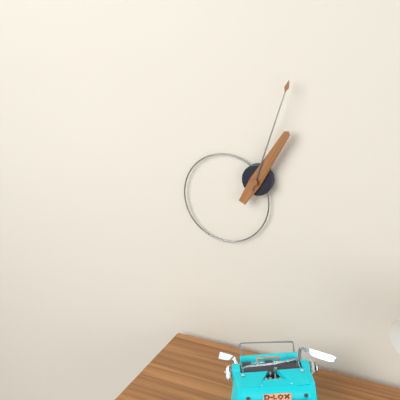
1.03
